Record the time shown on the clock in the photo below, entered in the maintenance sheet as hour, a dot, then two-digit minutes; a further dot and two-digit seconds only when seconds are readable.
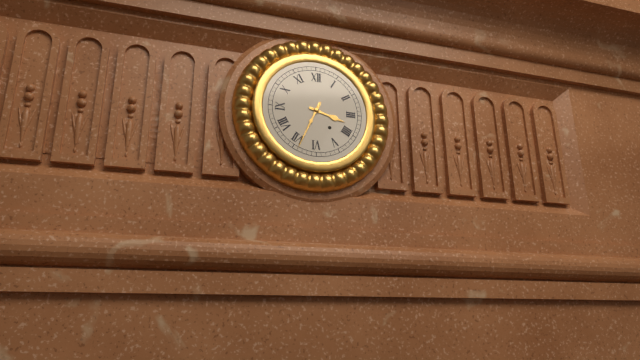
3.34
